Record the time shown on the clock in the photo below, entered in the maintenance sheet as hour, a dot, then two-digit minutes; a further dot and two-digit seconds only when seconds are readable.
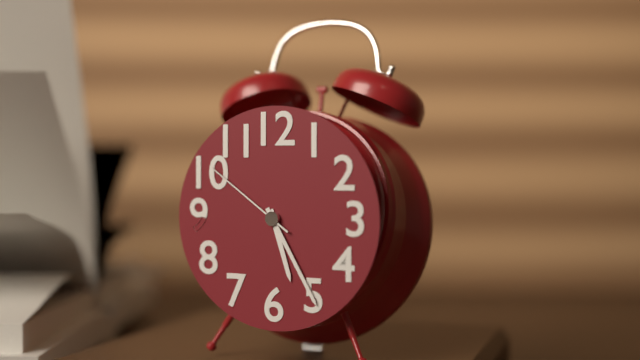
5.25.51
